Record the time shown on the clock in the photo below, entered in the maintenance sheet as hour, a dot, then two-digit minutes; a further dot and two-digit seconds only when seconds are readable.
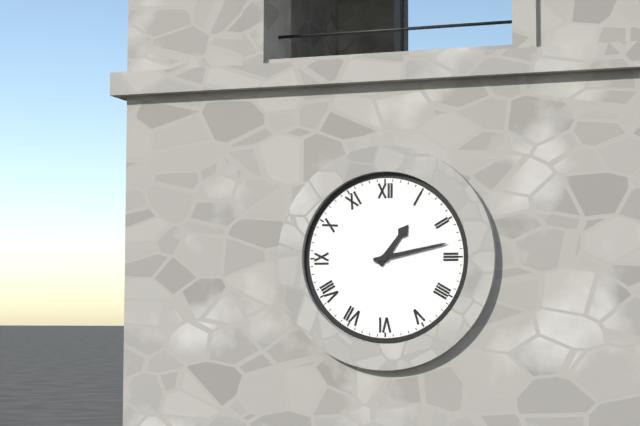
1.13
